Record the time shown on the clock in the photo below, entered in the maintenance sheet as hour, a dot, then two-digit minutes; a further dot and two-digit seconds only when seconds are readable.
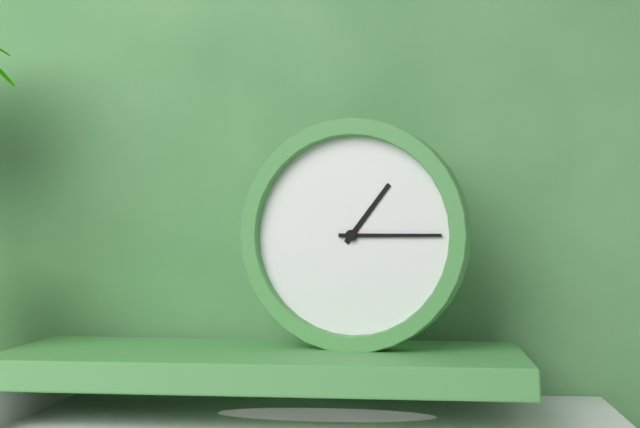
1.15
